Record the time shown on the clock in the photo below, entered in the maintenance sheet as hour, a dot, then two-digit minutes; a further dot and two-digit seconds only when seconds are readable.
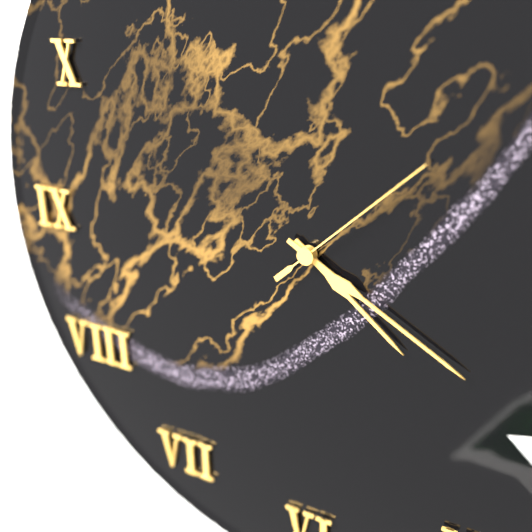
4.20.08
